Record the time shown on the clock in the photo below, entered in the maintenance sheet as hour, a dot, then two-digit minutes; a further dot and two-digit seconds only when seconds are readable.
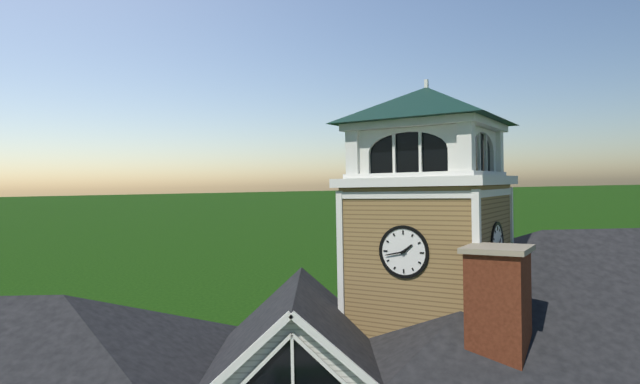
1.43
